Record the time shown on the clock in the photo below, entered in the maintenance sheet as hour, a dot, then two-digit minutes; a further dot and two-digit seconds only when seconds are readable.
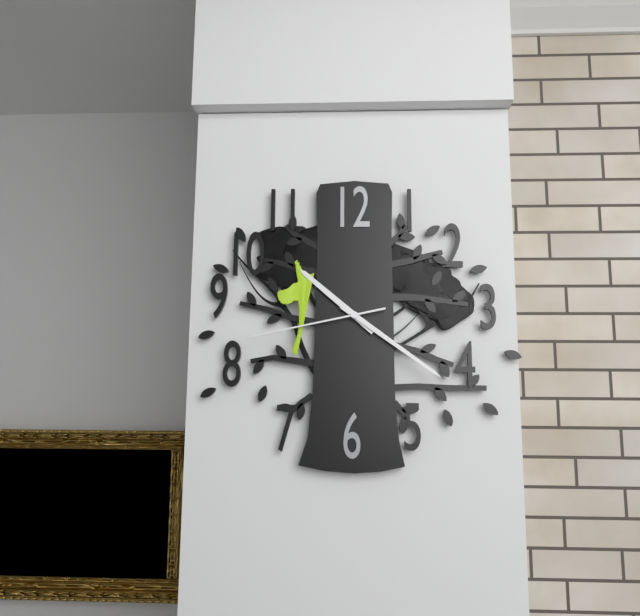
10.21.43
